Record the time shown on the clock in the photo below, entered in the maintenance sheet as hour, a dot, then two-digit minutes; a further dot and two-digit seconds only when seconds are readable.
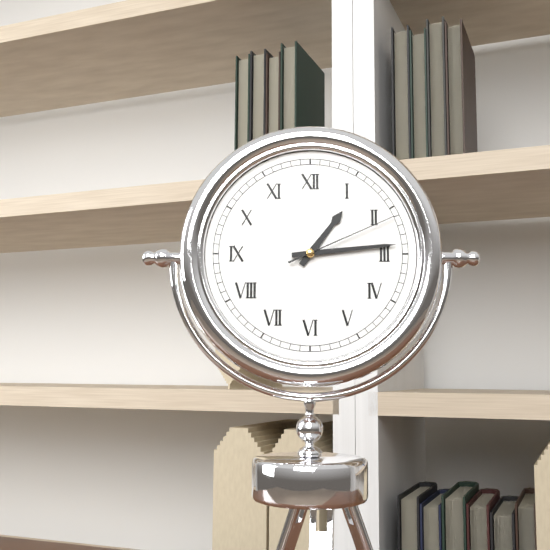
1.14.11
